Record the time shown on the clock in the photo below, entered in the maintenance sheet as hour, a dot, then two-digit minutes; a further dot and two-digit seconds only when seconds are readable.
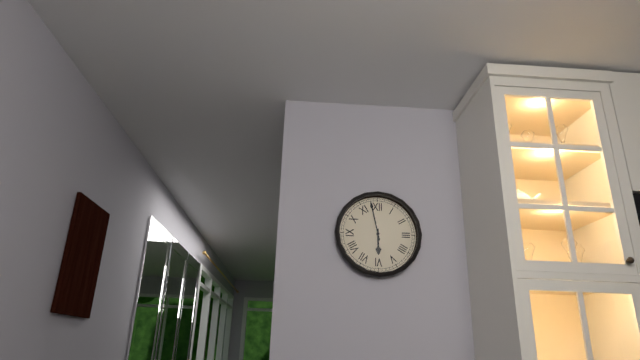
5.58
